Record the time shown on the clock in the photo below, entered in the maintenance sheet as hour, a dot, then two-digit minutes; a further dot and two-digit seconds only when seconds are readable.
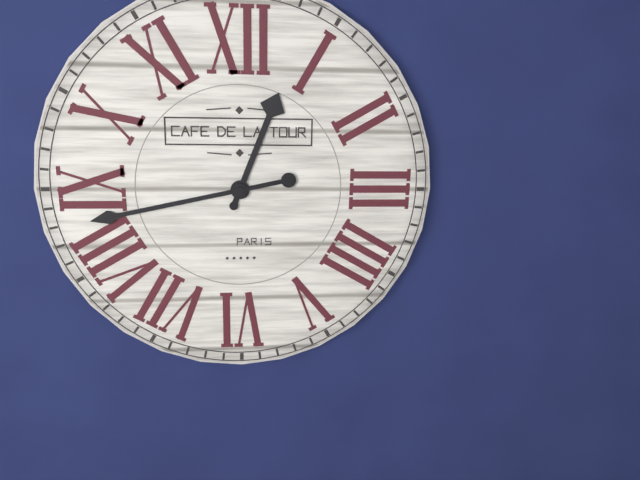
12.43
